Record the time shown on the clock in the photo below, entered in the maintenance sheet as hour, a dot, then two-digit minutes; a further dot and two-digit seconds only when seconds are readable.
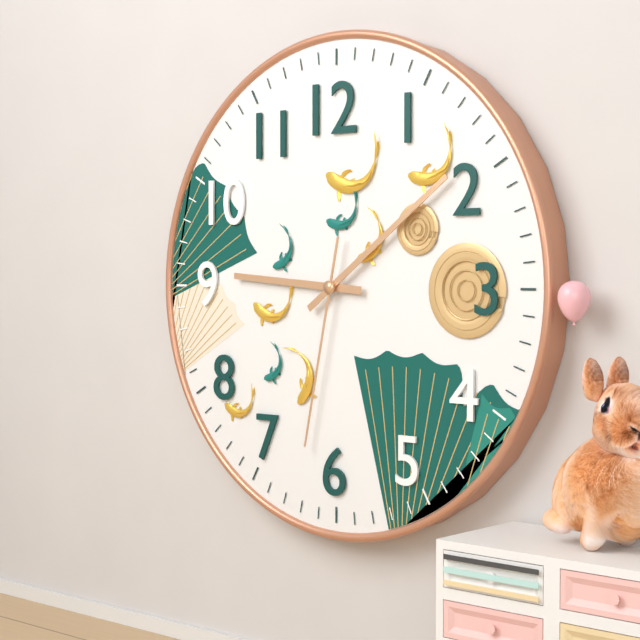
9.09.32
